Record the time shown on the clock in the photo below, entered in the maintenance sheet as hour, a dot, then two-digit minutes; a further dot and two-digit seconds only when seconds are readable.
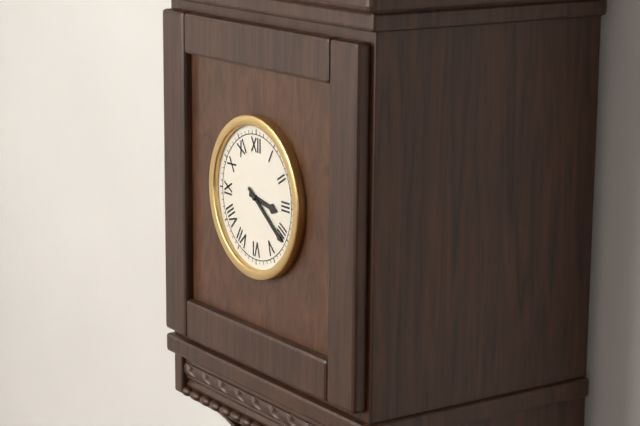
3.21
